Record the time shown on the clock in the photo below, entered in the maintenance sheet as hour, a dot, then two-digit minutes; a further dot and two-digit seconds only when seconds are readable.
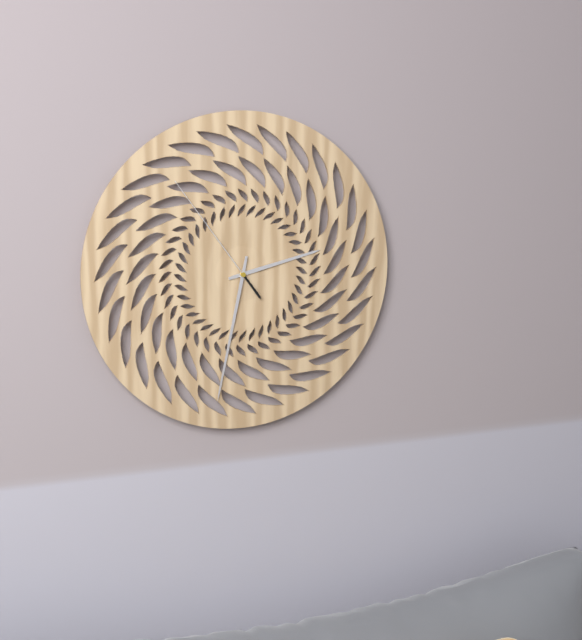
2.32.54
